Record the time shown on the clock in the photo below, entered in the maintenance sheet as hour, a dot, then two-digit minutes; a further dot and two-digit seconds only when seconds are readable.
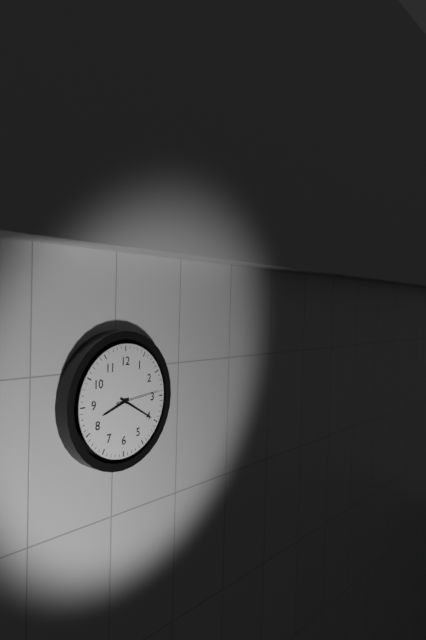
8.20
